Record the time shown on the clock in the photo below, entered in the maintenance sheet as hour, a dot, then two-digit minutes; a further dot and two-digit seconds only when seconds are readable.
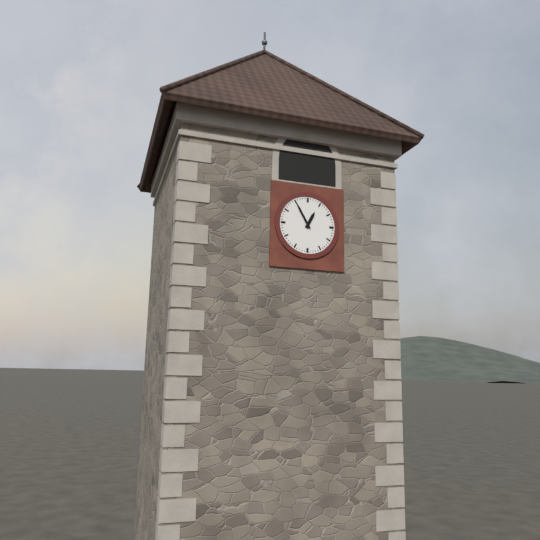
12.55
